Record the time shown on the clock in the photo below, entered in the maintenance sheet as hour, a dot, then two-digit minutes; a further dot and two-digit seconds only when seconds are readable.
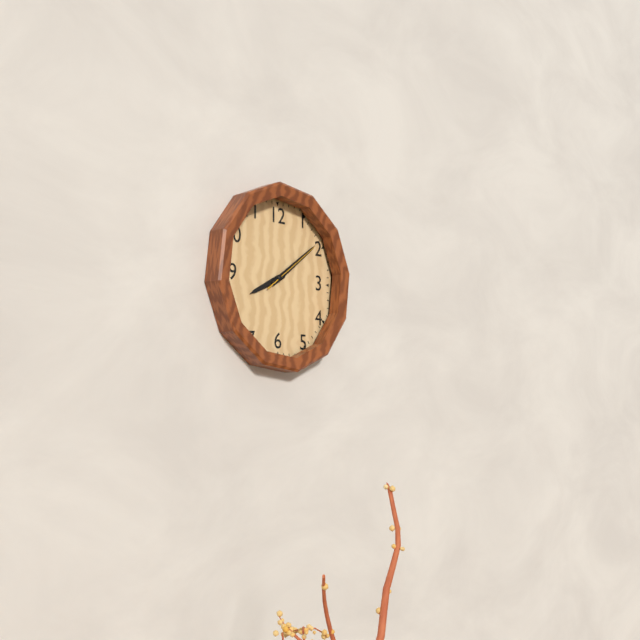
8.09.09
